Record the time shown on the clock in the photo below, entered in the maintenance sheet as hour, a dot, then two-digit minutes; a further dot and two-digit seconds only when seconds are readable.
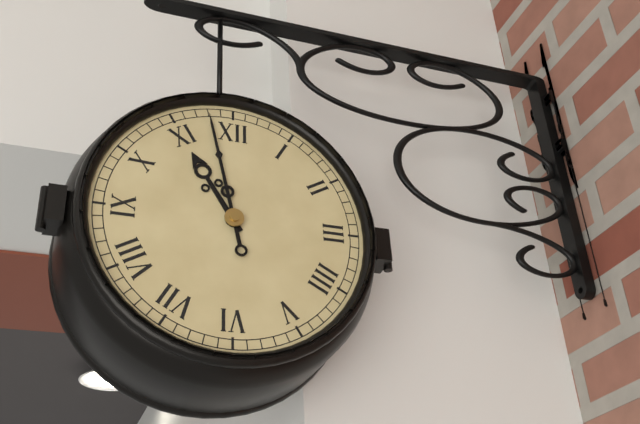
10.58
